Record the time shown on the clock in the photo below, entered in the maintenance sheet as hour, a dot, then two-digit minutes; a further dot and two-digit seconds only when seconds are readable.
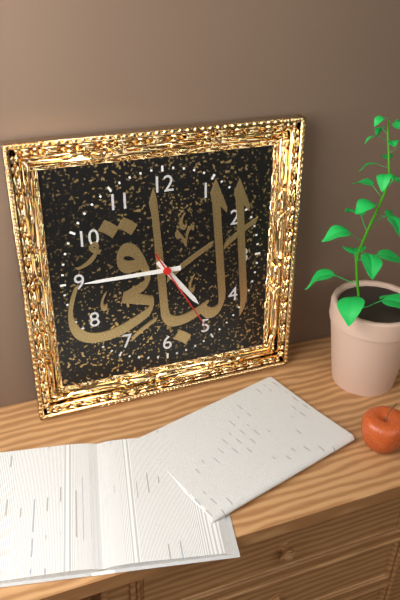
4.45.25
